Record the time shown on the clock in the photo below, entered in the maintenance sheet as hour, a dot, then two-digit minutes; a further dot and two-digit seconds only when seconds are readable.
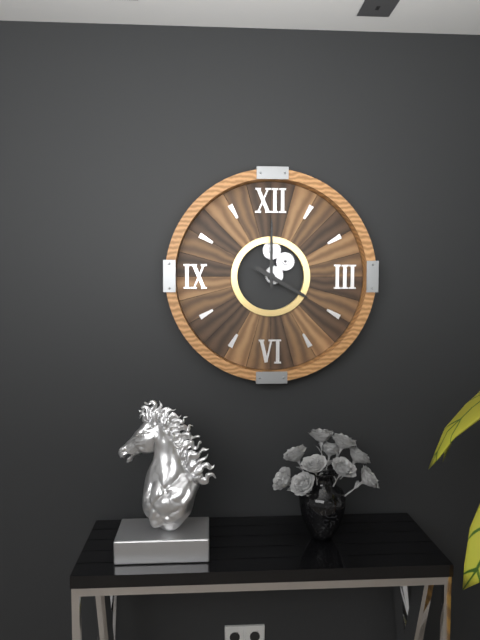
4.00
